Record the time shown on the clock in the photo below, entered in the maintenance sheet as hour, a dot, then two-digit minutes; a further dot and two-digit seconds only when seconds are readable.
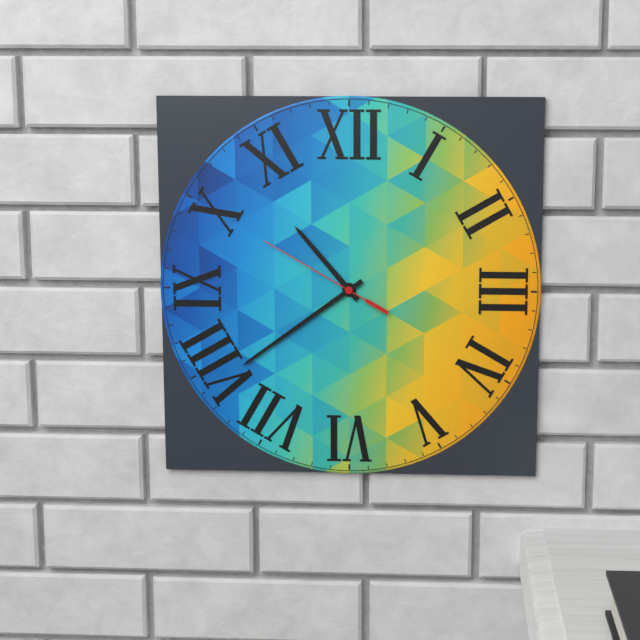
10.39.50
